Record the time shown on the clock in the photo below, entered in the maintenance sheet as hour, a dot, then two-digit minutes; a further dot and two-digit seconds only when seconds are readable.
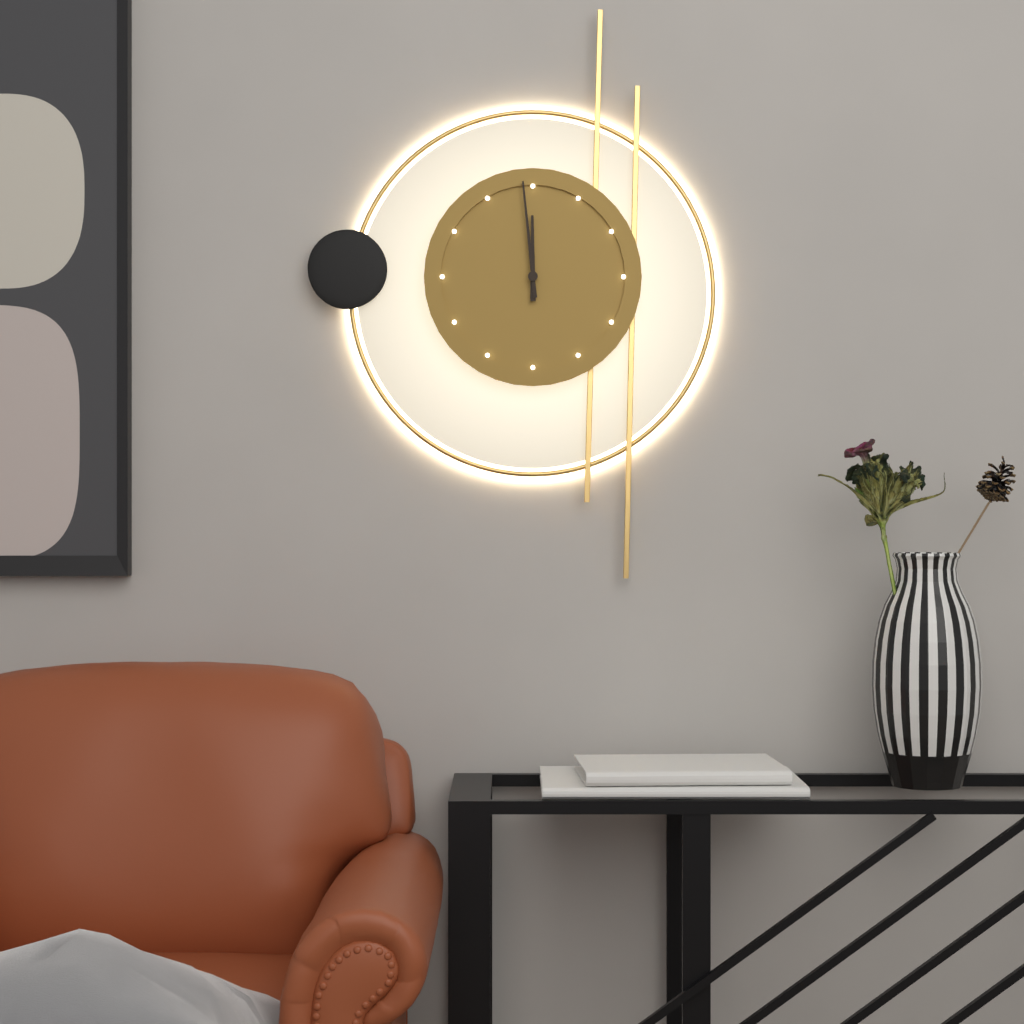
11.59
